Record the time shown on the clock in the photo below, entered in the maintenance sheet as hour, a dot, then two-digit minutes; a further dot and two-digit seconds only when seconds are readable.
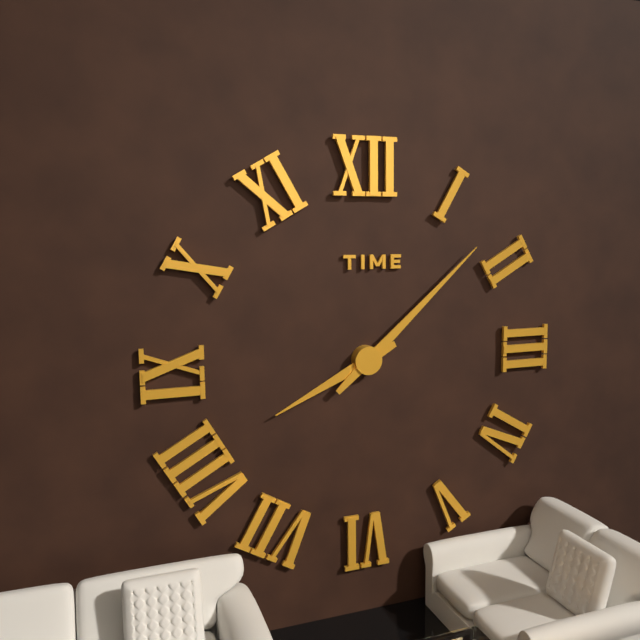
8.08
